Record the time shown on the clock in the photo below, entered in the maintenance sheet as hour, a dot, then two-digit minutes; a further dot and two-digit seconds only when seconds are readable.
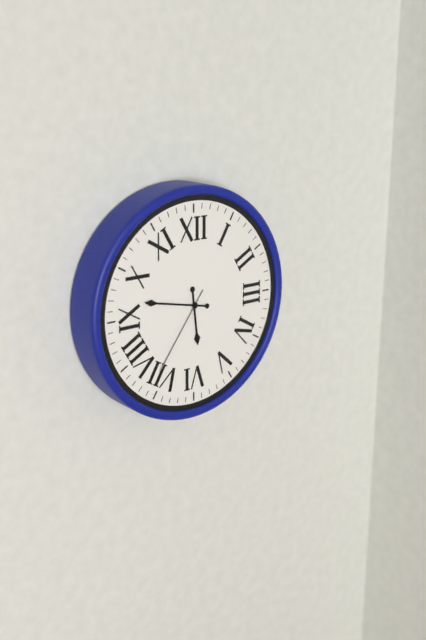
5.47.36
